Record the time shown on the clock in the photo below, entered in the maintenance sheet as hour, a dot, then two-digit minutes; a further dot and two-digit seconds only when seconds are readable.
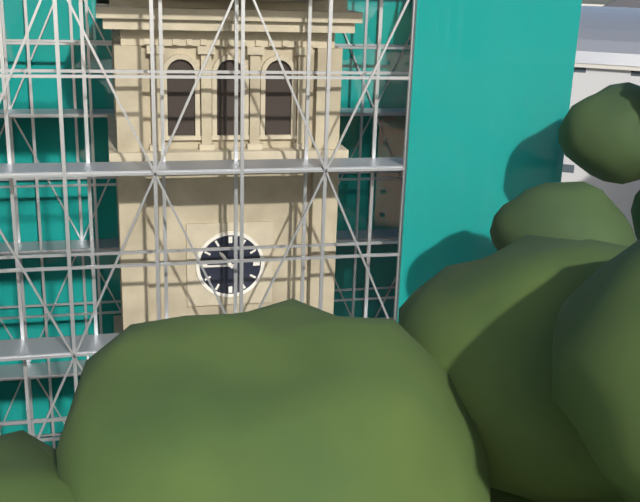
10.45
